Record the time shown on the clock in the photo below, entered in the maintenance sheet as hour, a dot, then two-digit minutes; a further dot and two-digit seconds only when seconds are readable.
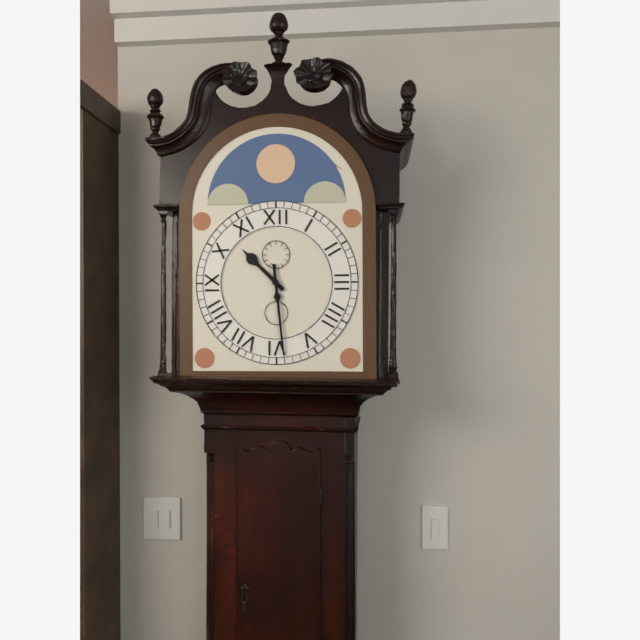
10.29
